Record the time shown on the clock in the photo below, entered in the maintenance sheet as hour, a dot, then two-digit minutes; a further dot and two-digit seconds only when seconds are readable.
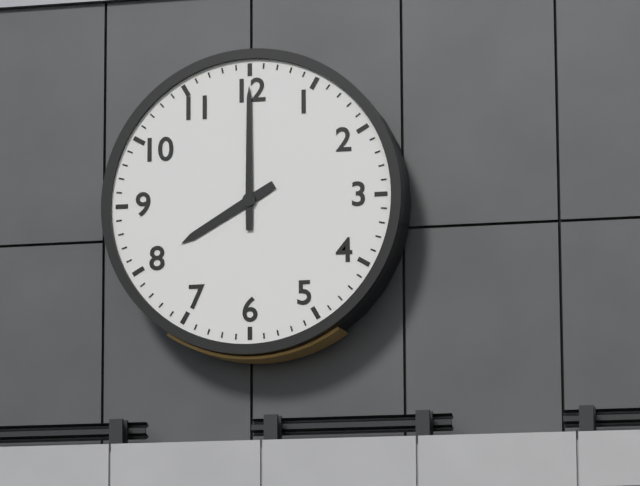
8.00
